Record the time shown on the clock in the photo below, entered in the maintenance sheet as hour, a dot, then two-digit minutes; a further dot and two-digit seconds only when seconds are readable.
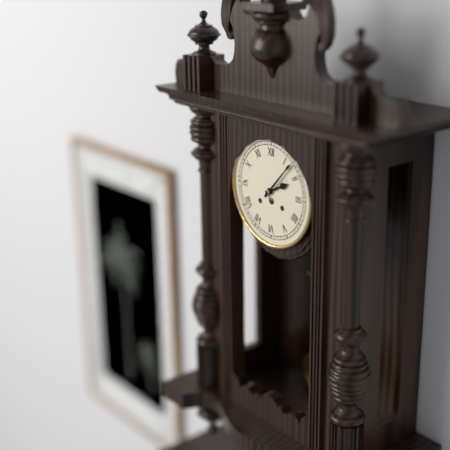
2.07
